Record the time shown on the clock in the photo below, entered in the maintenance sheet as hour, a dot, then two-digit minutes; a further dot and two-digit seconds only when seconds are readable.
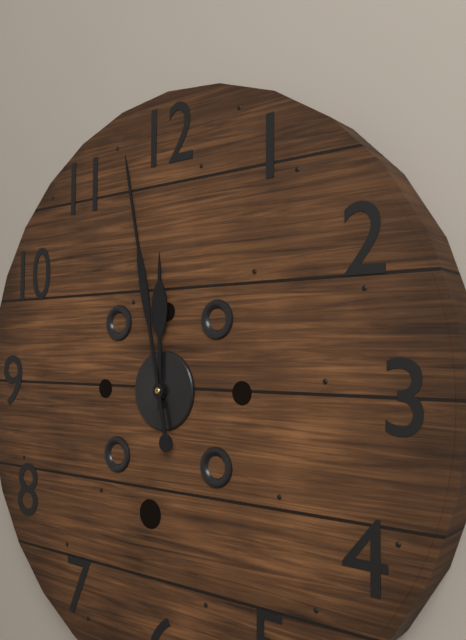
11.58
